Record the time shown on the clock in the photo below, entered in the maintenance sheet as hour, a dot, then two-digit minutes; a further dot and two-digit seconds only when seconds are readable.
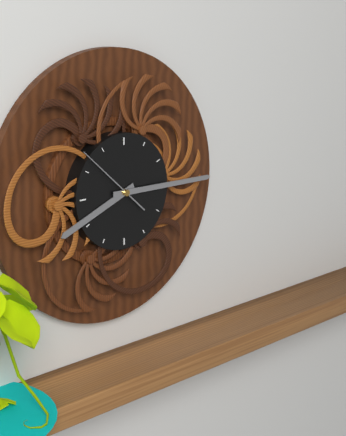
8.15.52
